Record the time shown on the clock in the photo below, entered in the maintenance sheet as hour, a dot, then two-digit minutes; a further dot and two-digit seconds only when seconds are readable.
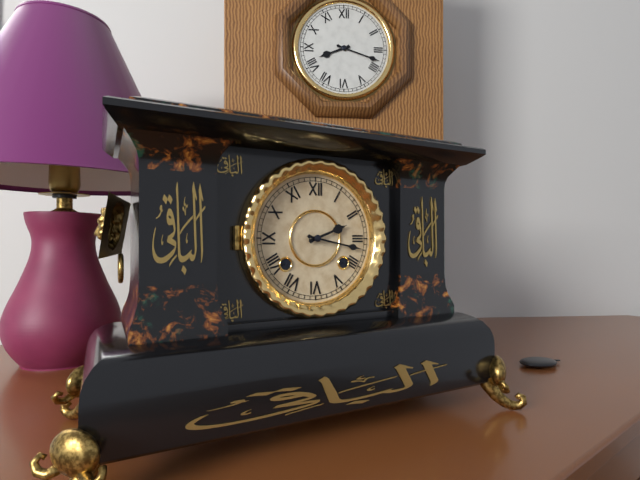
2.17
